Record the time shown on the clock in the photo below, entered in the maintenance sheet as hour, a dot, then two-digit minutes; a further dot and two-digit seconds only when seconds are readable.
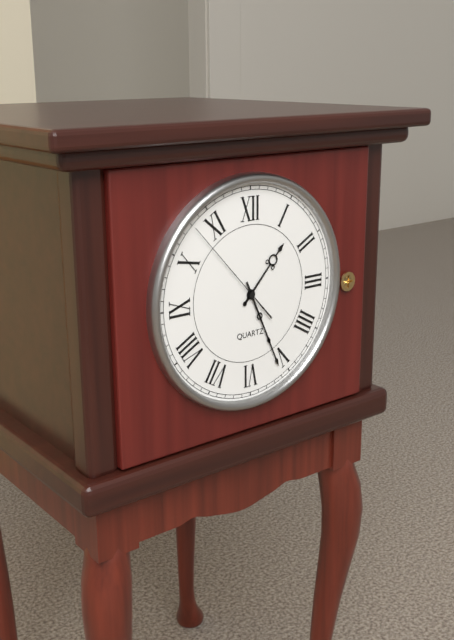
1.26.53
